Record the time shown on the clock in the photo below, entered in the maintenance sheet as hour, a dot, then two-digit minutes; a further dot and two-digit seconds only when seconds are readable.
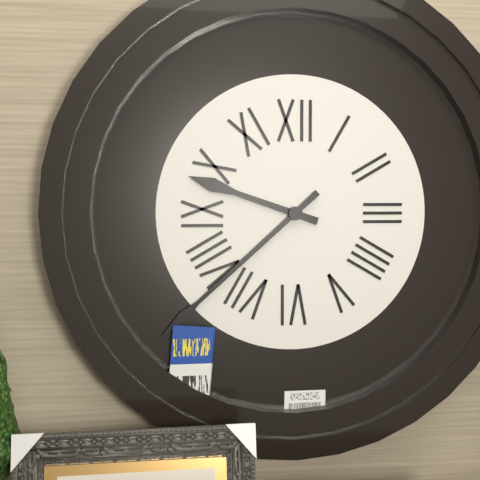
9.38
